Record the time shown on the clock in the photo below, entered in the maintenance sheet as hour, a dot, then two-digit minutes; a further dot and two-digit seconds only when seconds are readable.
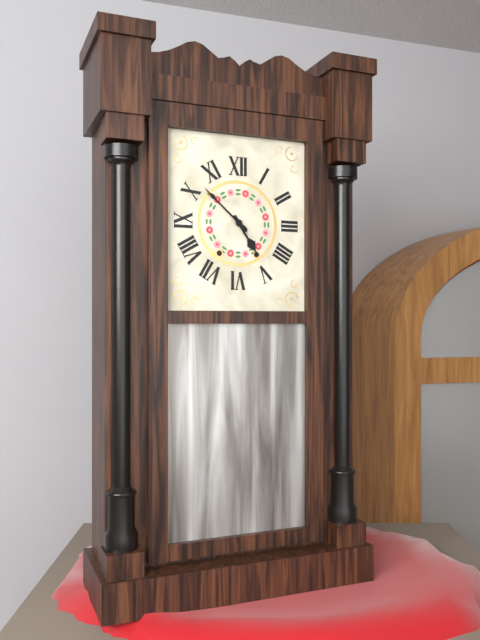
4.52
